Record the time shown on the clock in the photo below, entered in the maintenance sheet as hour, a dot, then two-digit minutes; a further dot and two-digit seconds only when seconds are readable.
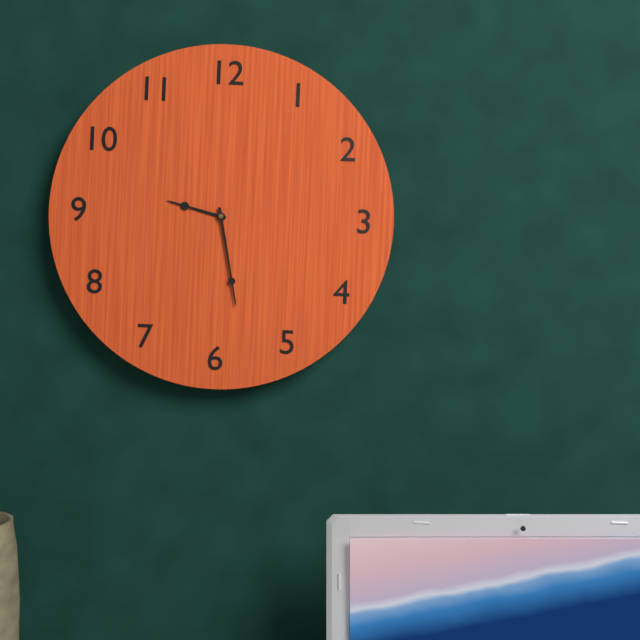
9.28
